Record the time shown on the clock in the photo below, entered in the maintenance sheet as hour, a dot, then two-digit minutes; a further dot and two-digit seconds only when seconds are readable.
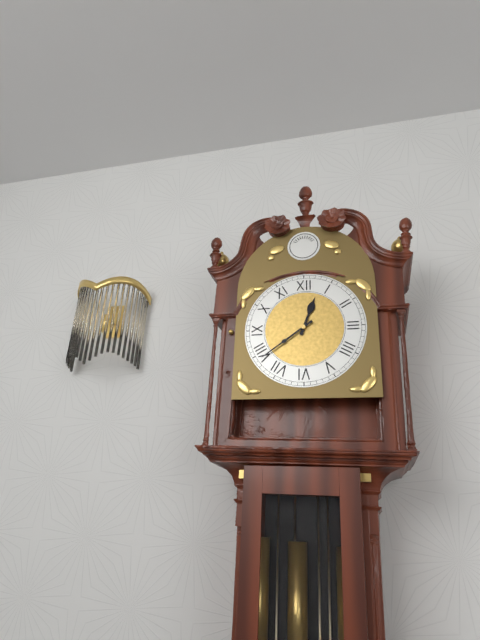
12.39
